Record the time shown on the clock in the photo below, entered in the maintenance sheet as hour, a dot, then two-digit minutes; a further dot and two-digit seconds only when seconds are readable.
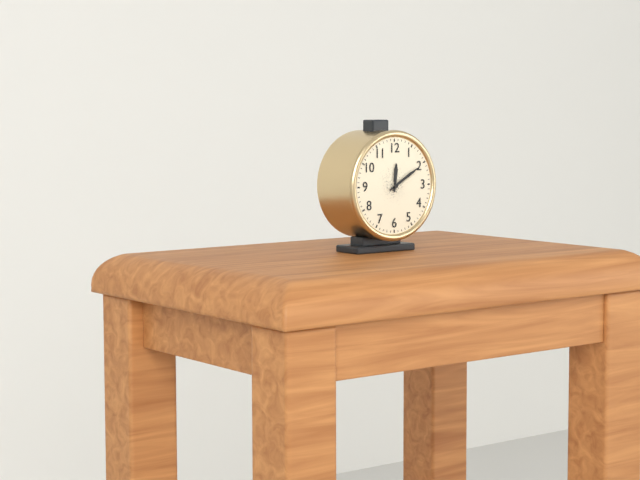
12.10
